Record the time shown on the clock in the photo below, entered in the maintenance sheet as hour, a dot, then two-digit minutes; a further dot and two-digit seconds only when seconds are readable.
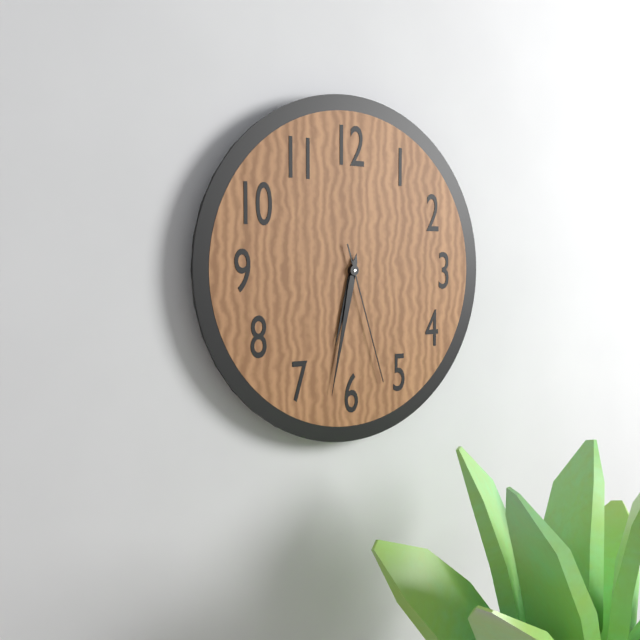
6.32.27
